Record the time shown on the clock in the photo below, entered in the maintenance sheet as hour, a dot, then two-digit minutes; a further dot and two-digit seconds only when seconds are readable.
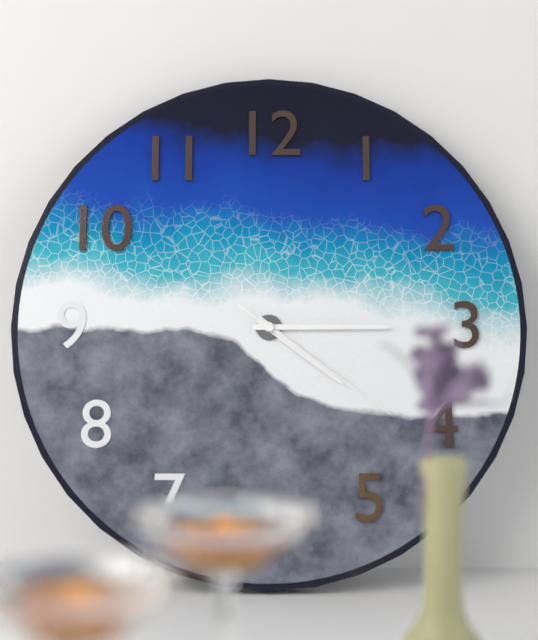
4.15.21
